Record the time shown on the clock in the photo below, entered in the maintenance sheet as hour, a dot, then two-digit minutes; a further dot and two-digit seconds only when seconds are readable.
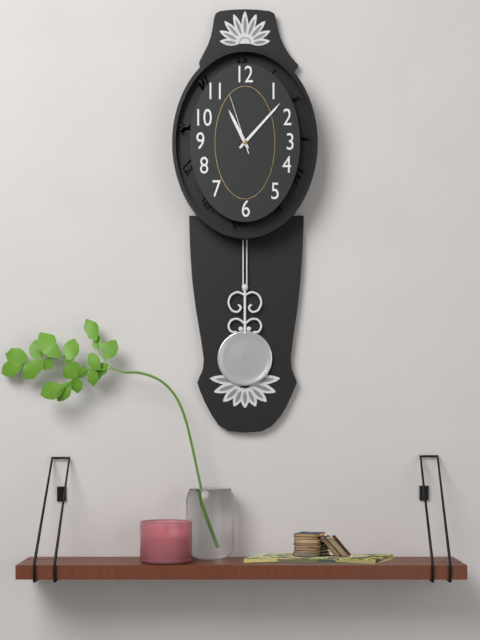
11.07.57
